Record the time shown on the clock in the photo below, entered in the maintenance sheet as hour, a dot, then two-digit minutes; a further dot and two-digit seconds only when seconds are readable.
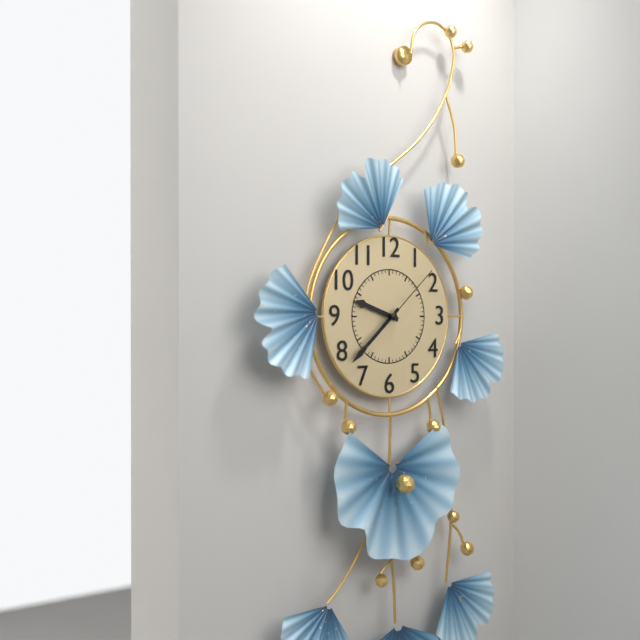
9.38.08
